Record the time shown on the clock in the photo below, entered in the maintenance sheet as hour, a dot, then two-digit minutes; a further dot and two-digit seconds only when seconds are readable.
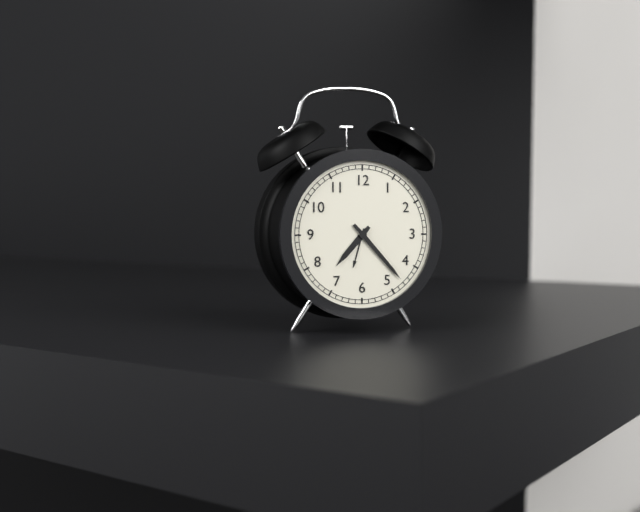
7.23
